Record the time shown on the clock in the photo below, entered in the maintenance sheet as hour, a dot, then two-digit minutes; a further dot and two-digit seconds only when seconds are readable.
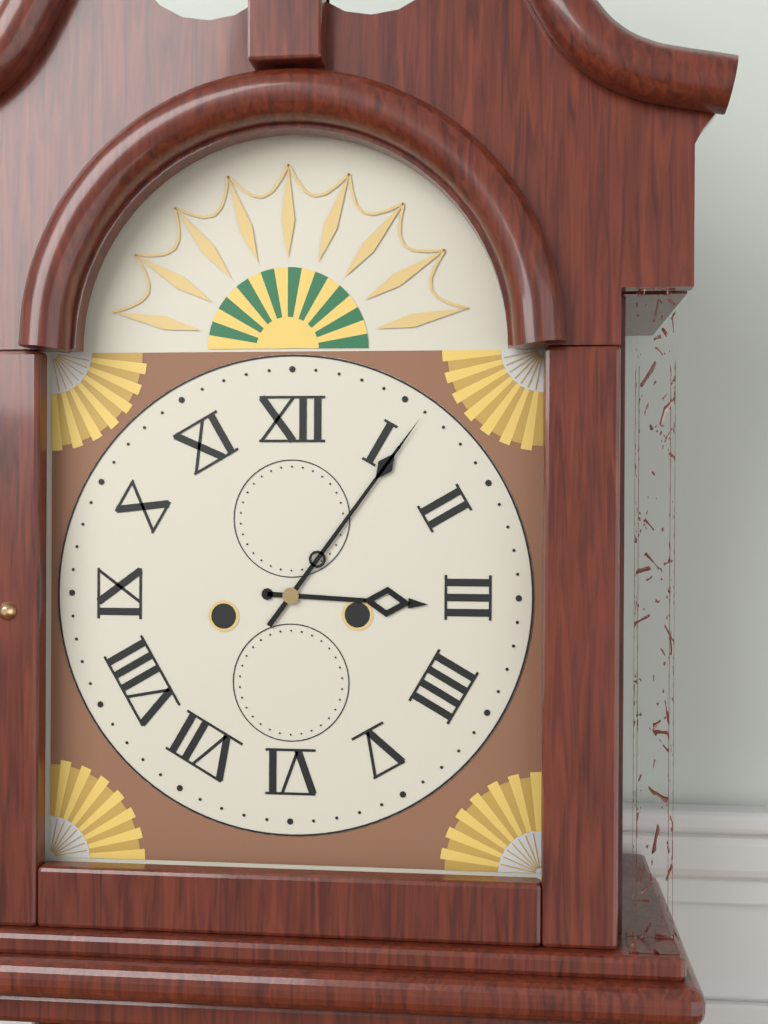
3.06
